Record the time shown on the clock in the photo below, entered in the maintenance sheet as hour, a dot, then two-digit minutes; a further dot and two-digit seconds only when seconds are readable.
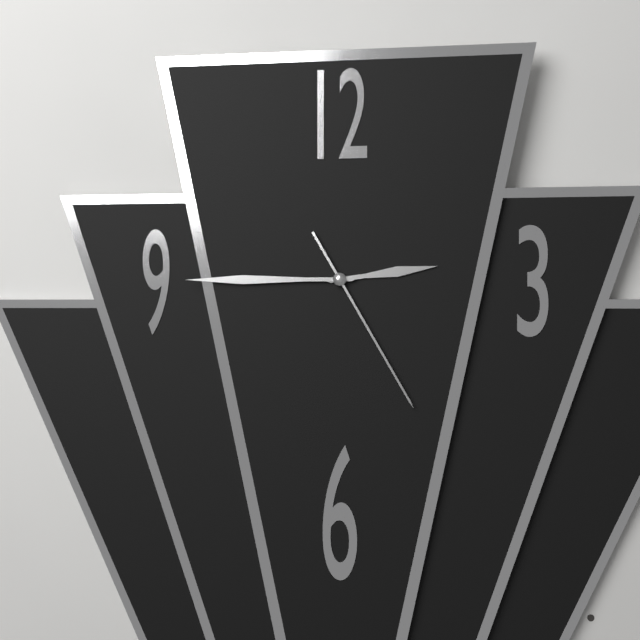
2.45.25
